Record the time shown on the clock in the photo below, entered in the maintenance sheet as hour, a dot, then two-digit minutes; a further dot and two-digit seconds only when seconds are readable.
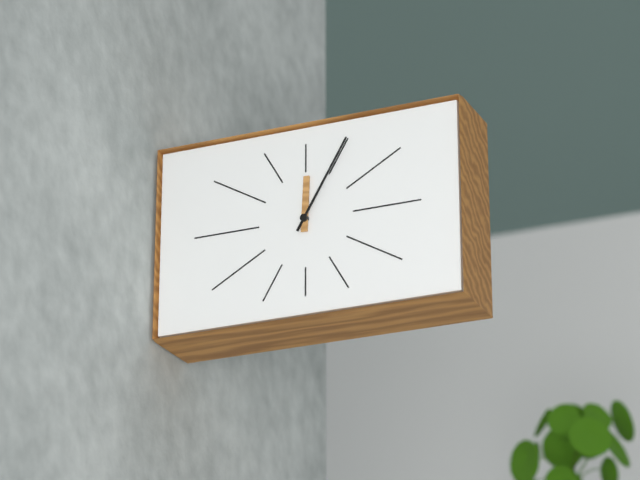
12.05
